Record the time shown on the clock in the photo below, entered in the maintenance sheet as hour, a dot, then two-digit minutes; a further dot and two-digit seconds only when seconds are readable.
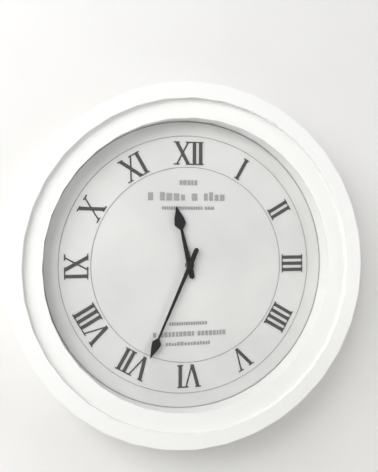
11.34
